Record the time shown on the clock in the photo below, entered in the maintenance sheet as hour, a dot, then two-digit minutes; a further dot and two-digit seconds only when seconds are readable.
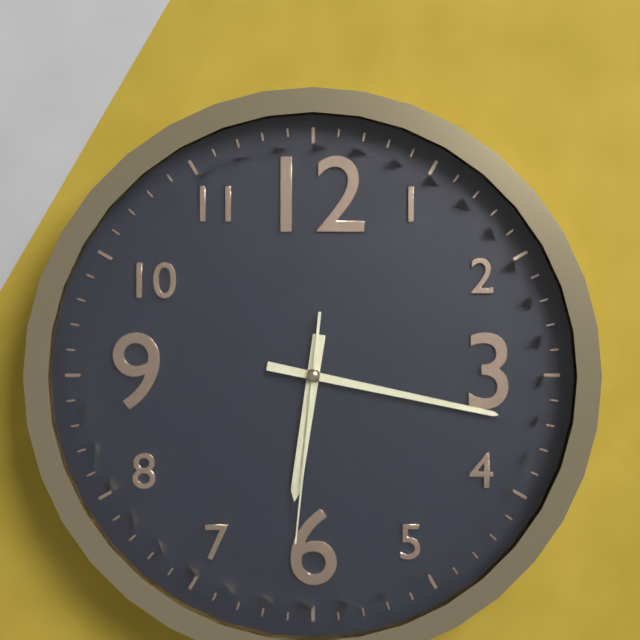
6.17.31
